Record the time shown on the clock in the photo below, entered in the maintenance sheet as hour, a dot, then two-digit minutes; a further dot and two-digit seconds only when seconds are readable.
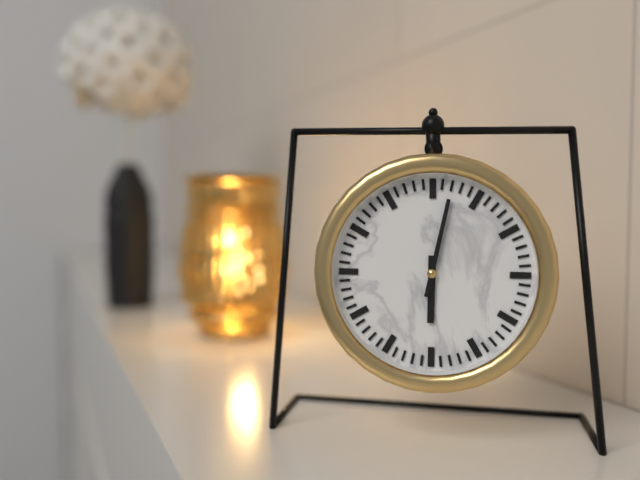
6.02
